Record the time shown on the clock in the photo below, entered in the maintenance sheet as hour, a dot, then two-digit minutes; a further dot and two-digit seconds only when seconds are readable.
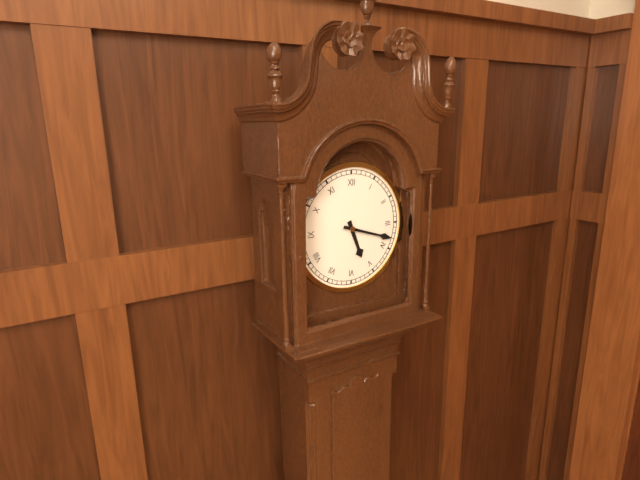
5.18
